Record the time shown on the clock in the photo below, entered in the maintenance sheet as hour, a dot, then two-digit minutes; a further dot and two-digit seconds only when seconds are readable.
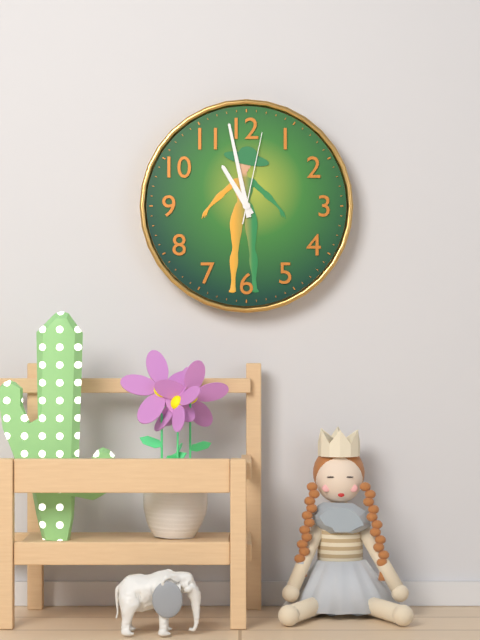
10.58.02
